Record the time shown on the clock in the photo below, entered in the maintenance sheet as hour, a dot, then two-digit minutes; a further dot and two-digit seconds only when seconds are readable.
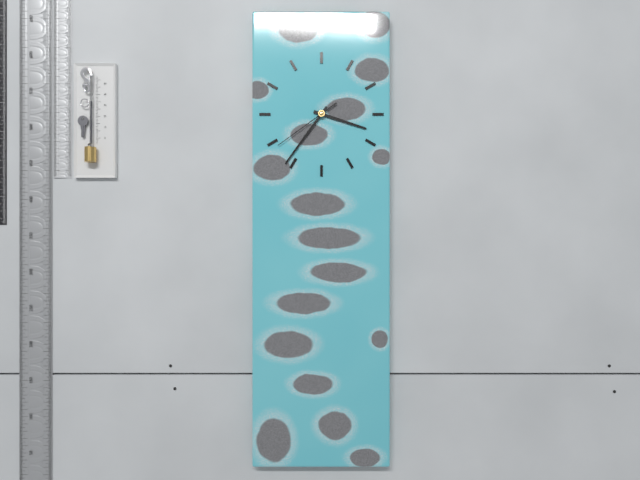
3.36.39
